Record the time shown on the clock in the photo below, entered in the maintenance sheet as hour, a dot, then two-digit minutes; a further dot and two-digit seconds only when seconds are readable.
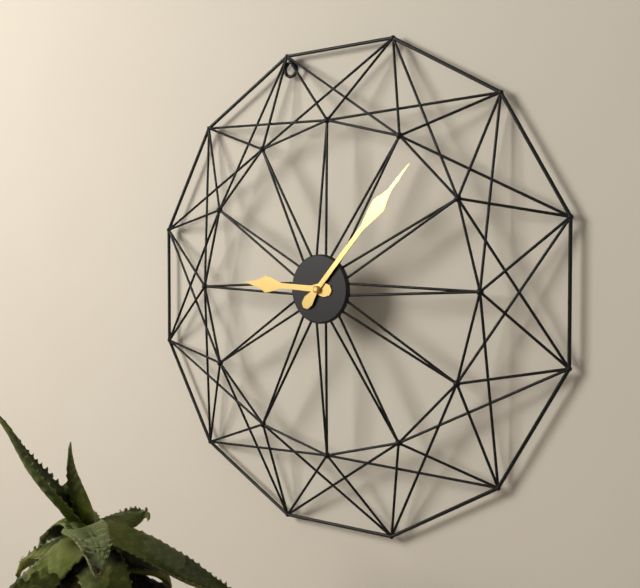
9.07
